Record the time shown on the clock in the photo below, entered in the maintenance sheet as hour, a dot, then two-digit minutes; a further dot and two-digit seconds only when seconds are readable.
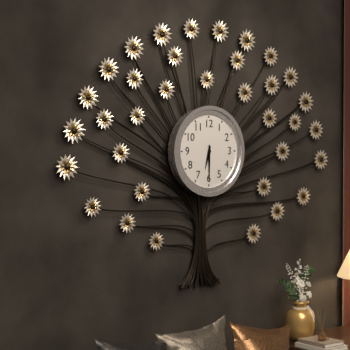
6.30
